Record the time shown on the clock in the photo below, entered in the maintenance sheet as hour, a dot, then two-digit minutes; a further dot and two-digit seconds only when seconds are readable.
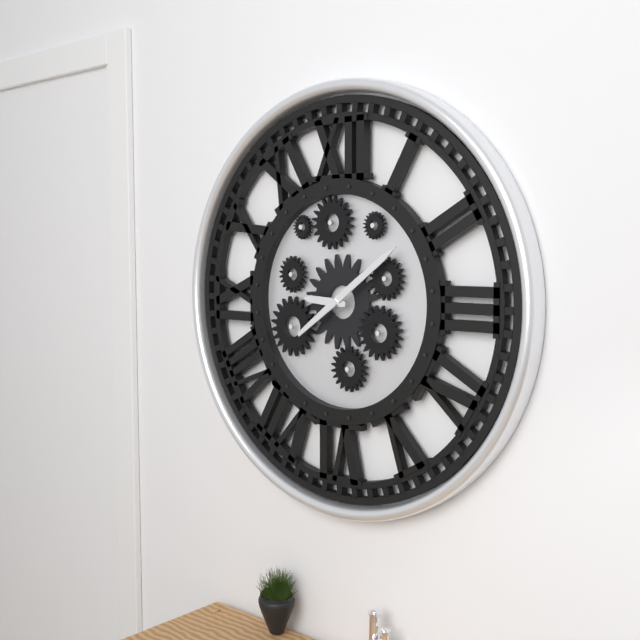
9.09
